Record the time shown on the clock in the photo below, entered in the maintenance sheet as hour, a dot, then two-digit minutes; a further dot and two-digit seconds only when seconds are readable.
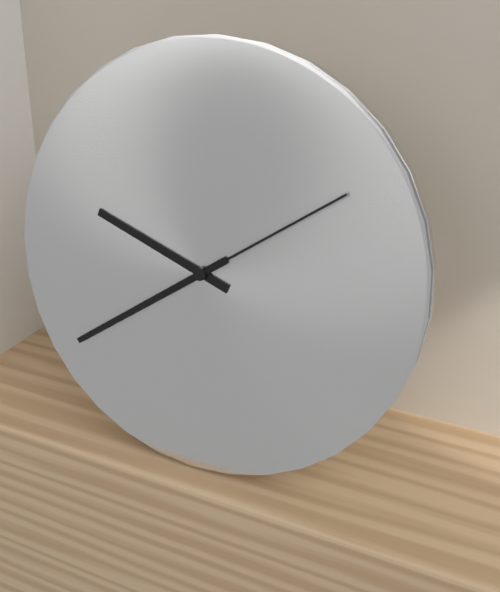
9.39.09
